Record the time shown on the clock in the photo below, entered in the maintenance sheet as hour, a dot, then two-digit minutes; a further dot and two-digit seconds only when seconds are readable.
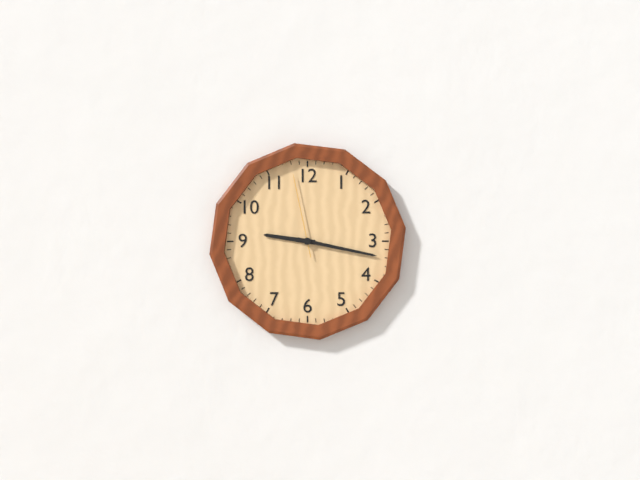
9.17.58
